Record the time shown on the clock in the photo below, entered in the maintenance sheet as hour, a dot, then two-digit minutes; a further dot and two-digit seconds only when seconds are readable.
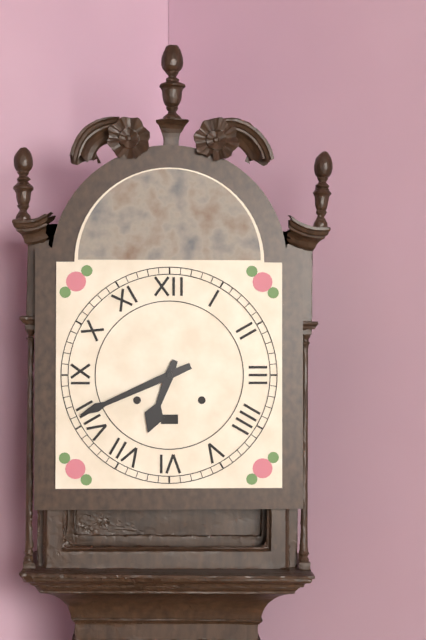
6.41
